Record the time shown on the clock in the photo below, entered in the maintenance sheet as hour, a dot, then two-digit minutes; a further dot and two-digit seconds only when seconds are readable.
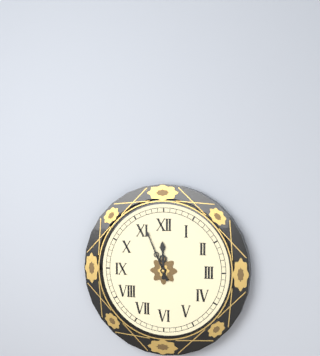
11.56
